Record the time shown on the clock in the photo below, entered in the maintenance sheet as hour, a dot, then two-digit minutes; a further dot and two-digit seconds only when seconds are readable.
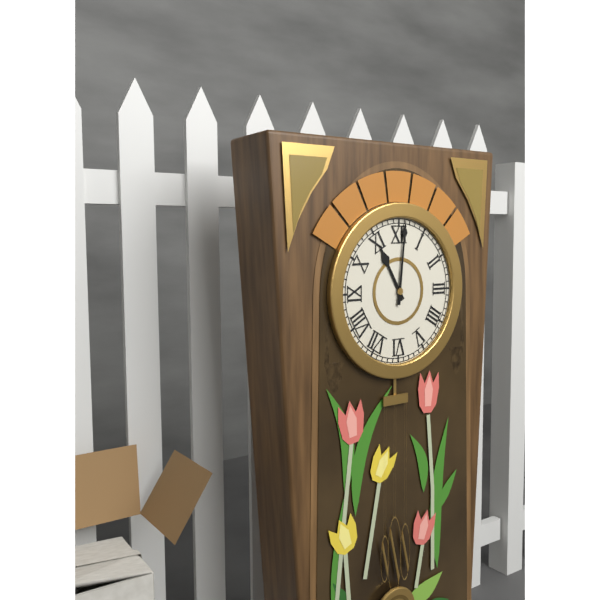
11.01
